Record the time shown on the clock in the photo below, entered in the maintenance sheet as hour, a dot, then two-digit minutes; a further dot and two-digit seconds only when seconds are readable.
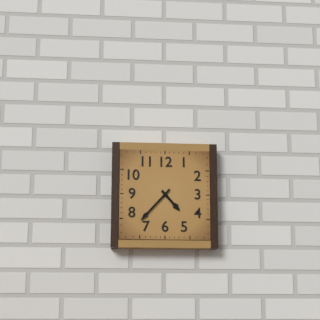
4.37
